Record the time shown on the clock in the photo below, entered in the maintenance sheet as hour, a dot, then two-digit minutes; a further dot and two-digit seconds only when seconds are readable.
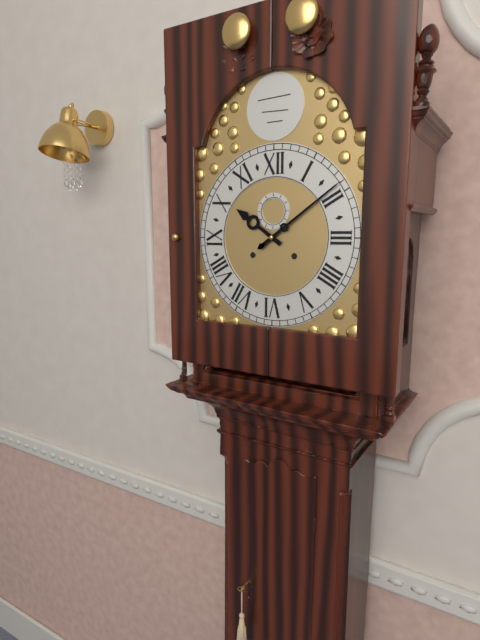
10.09
